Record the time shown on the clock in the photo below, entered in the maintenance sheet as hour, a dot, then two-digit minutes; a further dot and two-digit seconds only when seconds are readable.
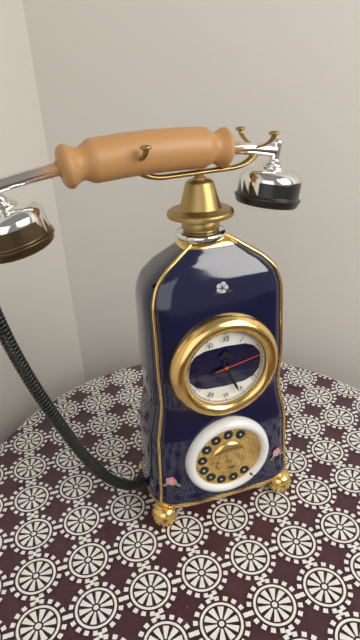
8.26
